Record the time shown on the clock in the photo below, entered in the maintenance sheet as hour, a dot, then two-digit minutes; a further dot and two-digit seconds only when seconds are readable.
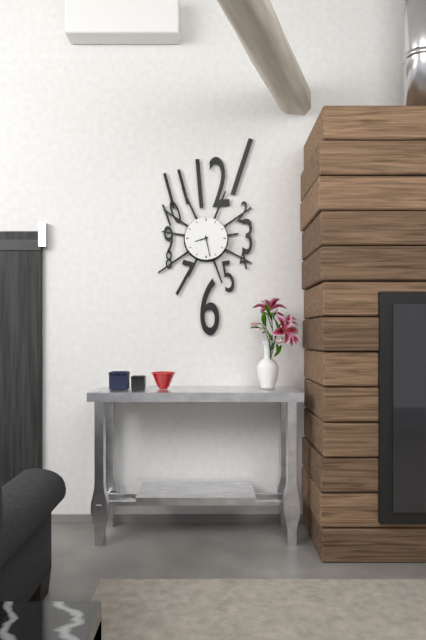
8.28
